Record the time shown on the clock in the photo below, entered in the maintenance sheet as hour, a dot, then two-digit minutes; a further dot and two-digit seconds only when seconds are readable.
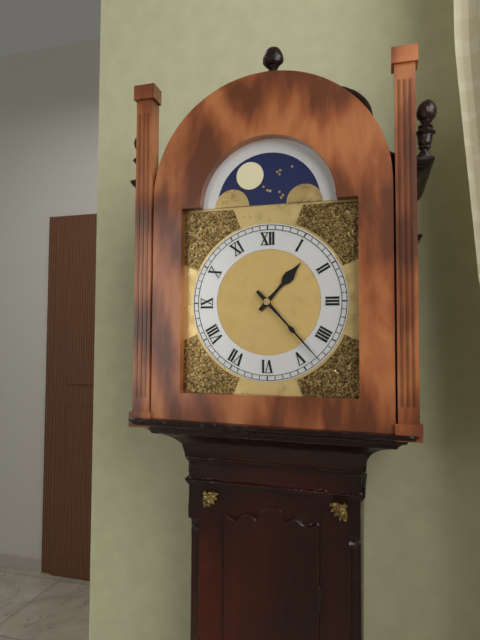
1.23
